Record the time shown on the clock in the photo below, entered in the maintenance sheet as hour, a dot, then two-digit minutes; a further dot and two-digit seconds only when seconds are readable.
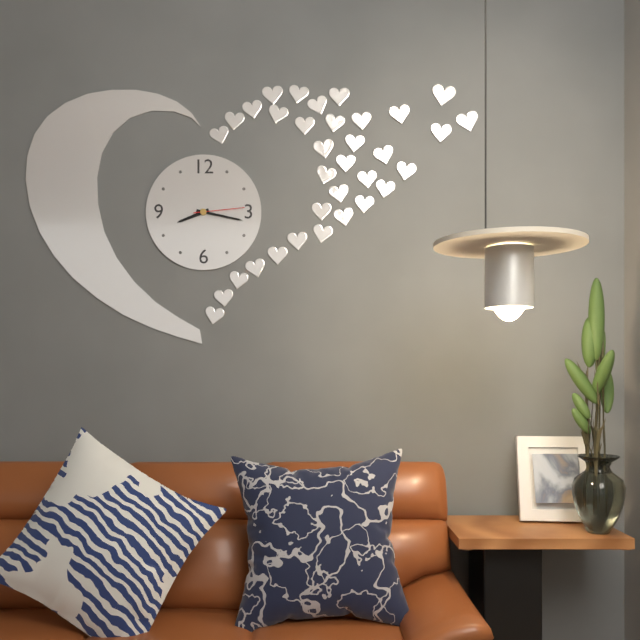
8.17.14
